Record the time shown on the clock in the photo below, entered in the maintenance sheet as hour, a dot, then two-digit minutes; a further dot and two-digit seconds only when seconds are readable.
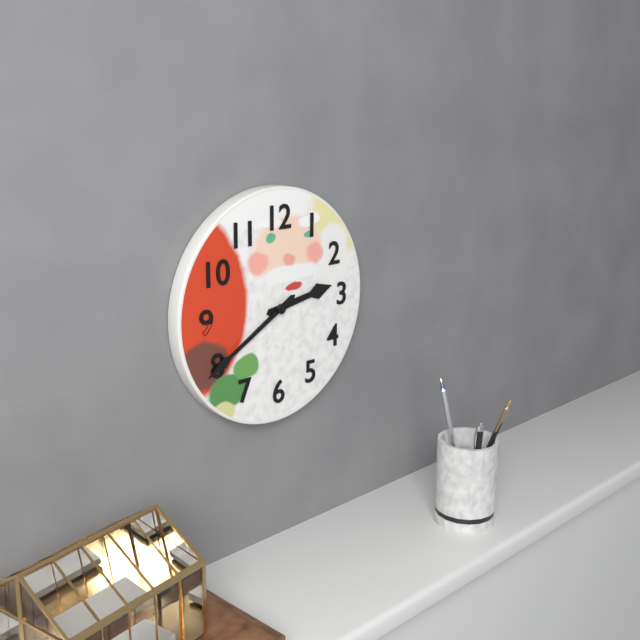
2.40
